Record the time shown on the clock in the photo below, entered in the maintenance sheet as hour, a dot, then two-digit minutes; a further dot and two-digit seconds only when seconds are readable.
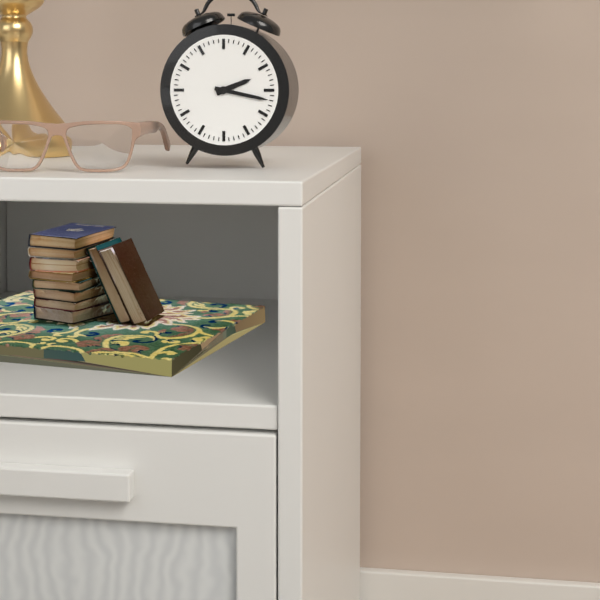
2.17
